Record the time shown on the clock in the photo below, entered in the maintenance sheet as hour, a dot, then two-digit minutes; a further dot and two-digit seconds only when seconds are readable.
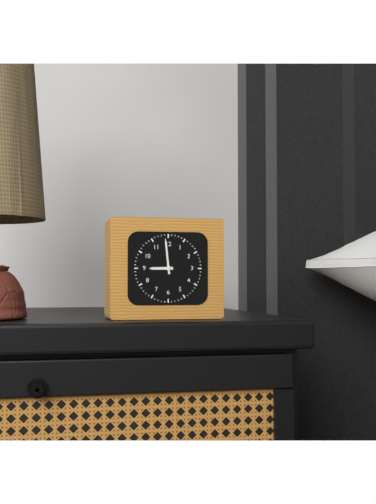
8.59
